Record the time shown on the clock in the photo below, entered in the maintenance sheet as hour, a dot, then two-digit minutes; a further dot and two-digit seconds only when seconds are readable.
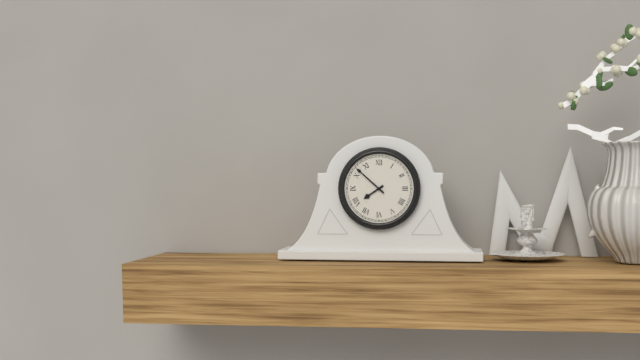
7.52
